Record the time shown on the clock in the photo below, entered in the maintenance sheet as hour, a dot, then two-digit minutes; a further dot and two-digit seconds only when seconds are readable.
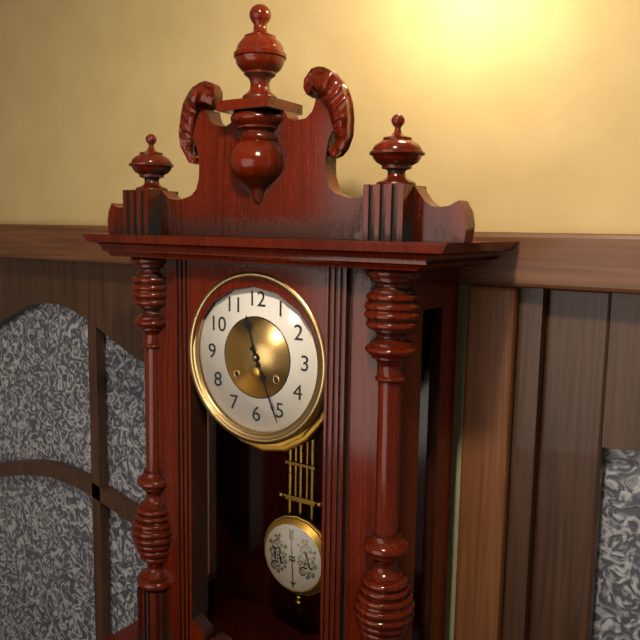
11.26
